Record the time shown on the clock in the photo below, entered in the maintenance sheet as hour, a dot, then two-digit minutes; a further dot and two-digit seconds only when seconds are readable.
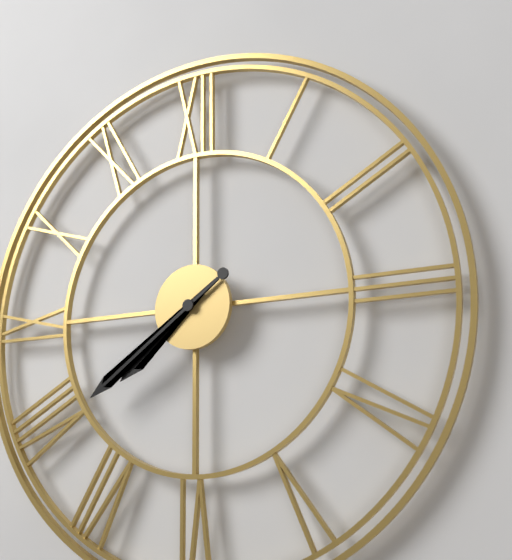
7.39
